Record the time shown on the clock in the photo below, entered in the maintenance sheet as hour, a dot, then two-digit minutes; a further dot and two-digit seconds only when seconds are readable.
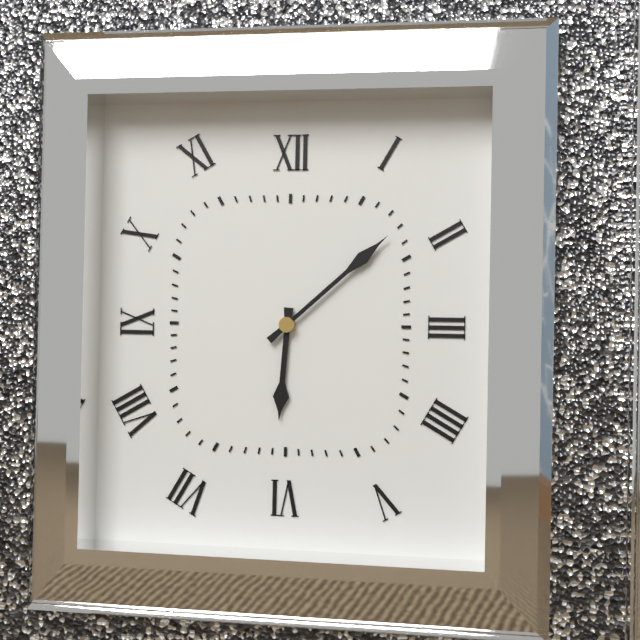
6.08
